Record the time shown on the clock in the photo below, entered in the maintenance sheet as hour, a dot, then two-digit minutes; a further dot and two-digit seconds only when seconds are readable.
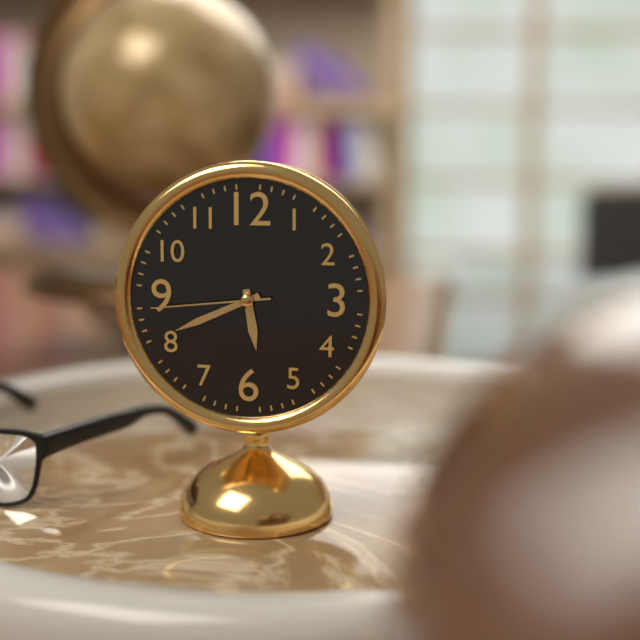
5.41.44
